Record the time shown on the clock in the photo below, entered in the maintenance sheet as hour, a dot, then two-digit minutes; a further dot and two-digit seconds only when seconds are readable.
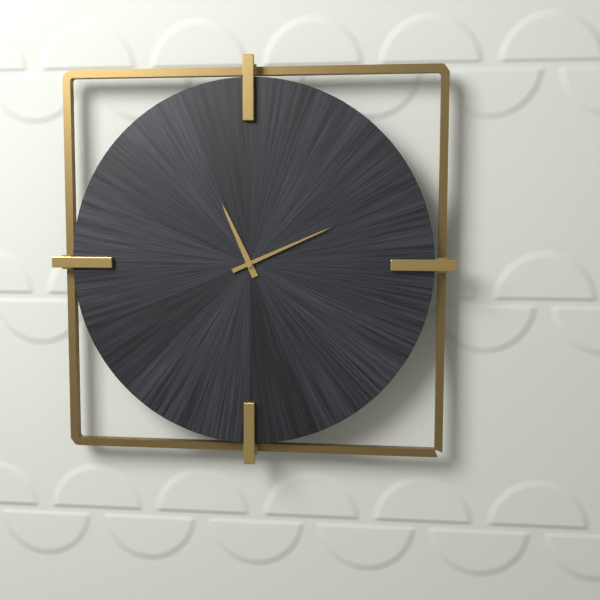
11.11
